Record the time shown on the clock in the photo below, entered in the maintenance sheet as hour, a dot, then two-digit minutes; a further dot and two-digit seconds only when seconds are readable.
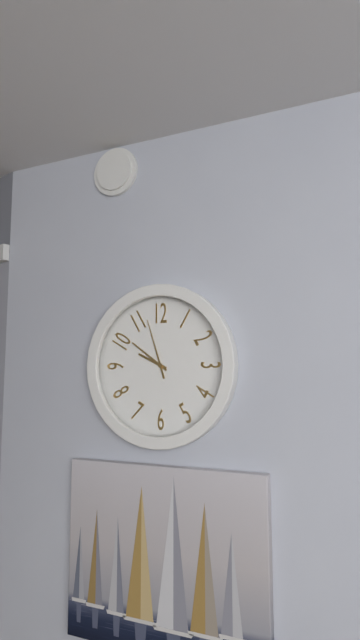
9.51.57
